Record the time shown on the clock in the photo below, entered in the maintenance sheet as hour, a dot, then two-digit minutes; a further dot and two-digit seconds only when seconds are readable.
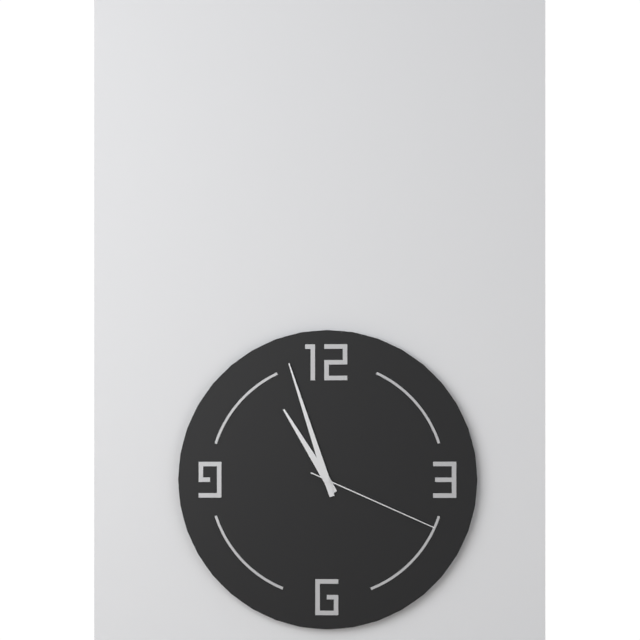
10.57.19
